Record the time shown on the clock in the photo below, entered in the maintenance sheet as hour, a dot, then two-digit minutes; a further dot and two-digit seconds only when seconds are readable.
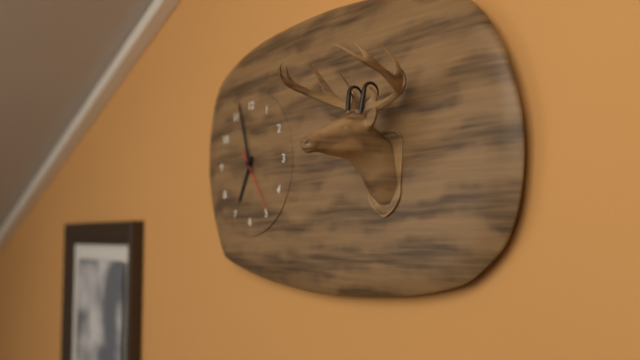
6.57.24
